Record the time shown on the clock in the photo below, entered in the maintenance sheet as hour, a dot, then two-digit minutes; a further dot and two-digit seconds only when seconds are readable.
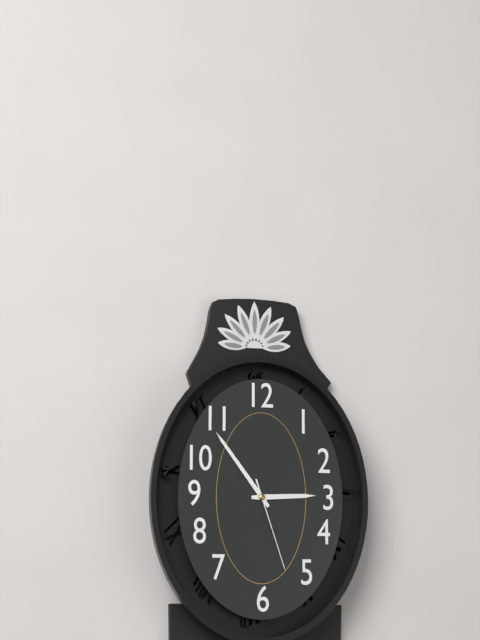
2.54.27
